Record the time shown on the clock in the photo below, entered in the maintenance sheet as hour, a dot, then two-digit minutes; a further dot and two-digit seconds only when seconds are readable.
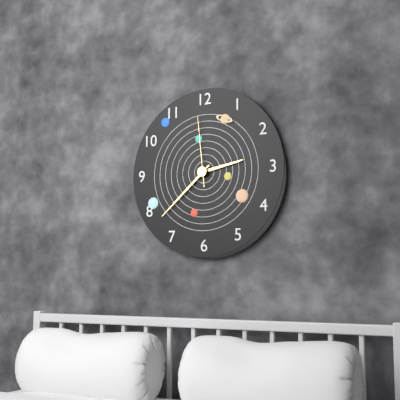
2.38.59
